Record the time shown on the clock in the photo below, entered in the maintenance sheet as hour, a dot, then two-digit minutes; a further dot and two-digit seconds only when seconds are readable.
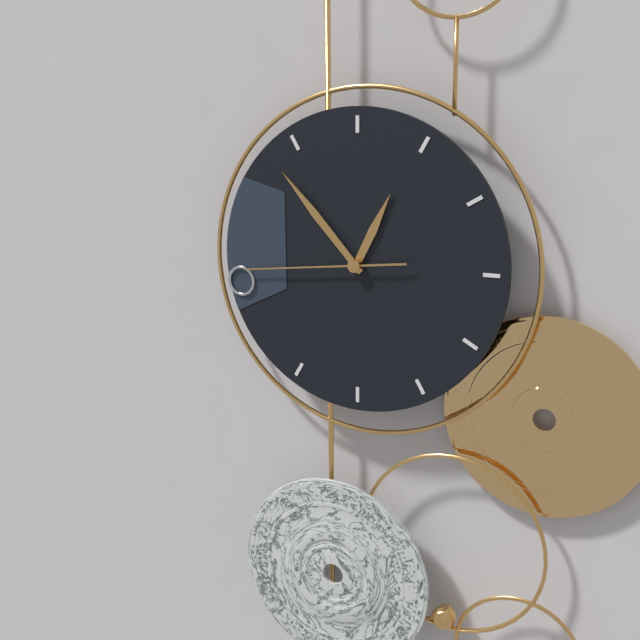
12.53.44
